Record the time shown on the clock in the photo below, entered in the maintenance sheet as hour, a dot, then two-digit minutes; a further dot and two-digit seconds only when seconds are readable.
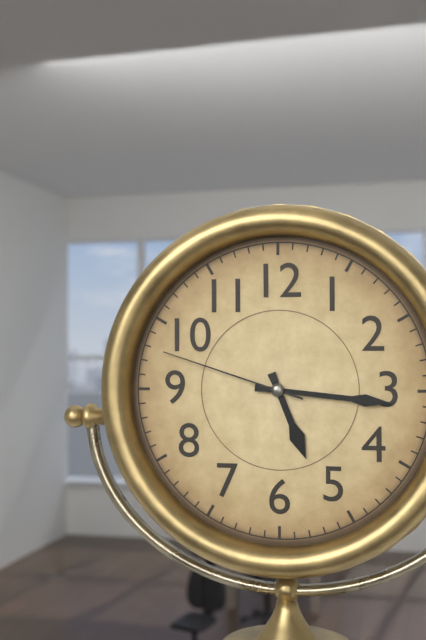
5.16.48
